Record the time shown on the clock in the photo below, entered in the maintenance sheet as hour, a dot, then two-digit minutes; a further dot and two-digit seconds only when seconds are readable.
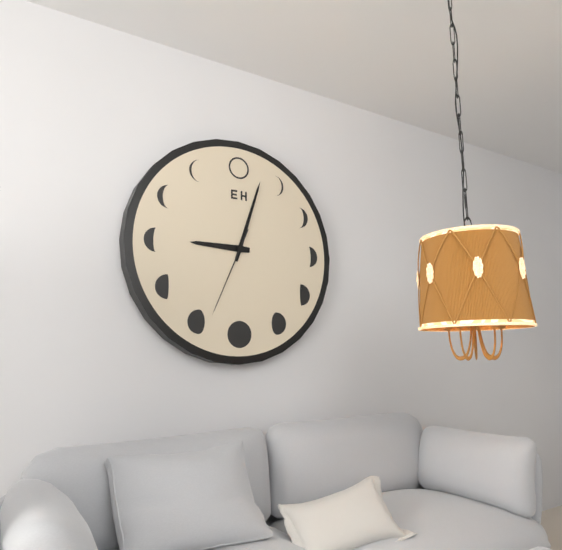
9.03.34
